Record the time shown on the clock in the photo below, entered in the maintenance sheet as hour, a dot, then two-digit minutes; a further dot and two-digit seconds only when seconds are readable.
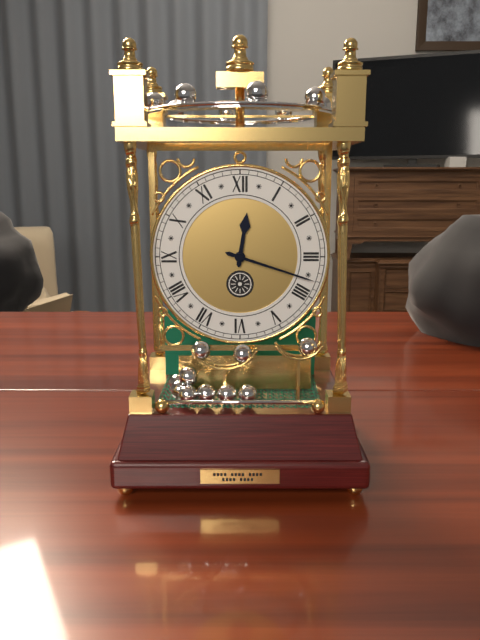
12.18
